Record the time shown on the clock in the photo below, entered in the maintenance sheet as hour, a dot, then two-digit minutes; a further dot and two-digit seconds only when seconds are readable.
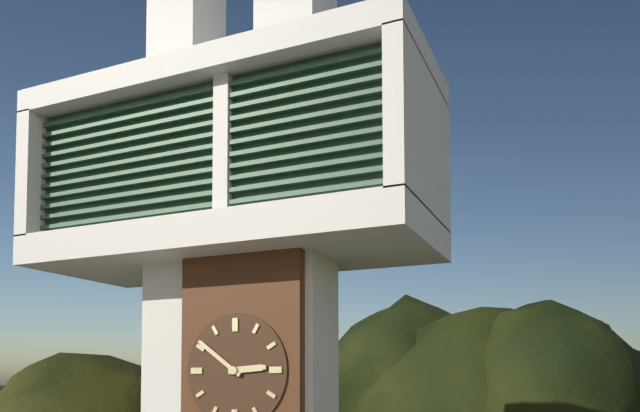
2.51
